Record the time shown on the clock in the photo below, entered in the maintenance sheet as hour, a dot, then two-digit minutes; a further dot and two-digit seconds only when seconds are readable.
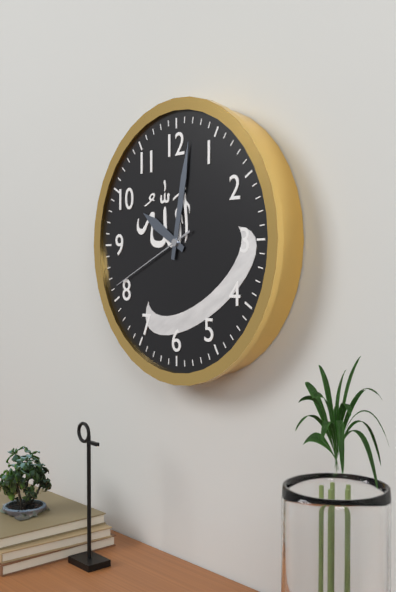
10.02.41
